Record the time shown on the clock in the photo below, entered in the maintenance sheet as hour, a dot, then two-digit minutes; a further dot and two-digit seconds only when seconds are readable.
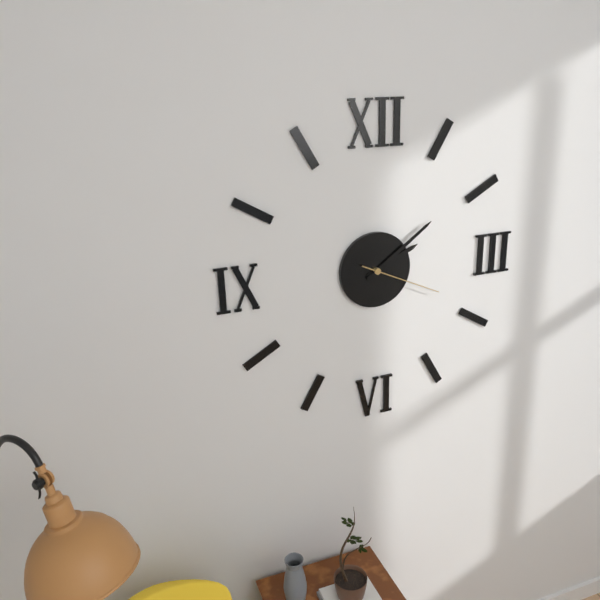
2.09.19
